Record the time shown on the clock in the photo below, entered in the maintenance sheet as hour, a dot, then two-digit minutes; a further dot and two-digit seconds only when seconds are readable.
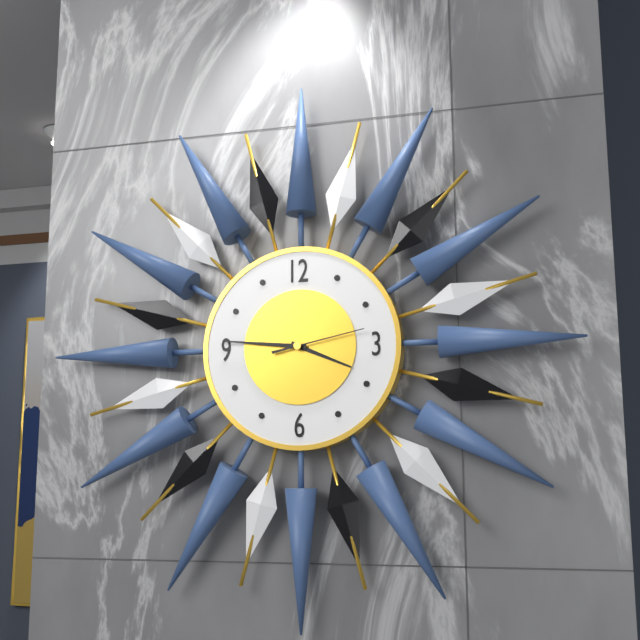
3.46.13
